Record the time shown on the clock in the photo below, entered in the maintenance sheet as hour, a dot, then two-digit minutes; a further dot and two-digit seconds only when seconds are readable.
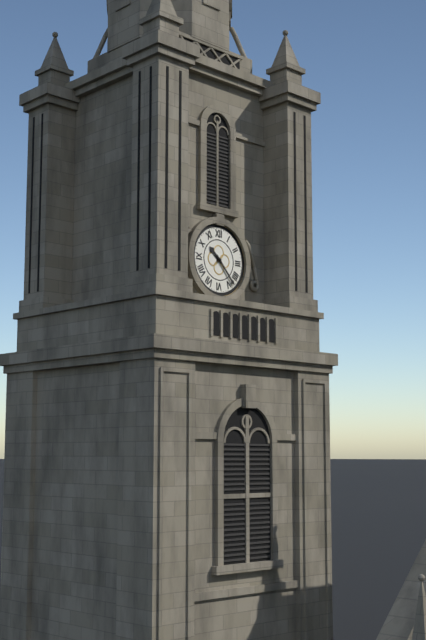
10.23
